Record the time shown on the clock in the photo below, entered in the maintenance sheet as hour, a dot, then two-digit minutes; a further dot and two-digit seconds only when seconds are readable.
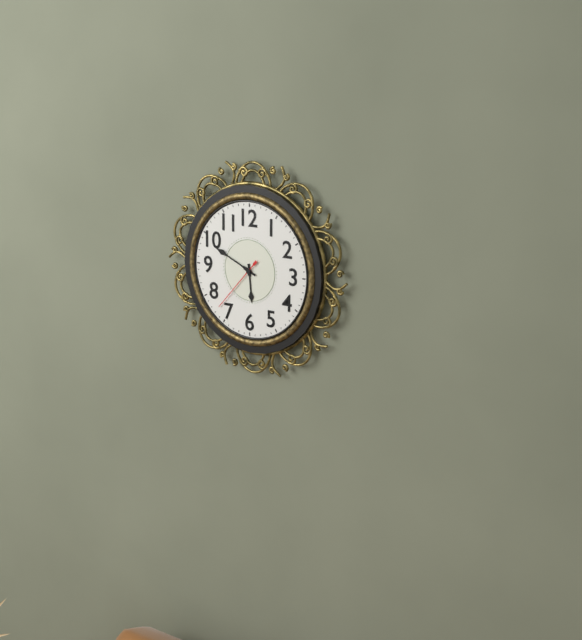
5.49.37
